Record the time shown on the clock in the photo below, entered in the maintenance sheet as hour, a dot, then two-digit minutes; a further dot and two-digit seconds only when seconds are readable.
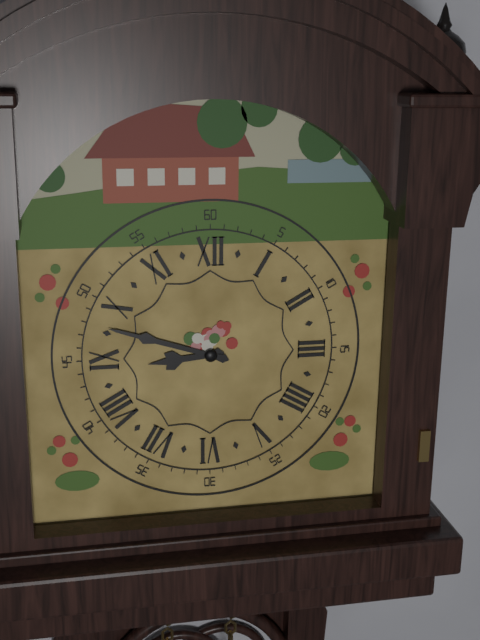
8.48
